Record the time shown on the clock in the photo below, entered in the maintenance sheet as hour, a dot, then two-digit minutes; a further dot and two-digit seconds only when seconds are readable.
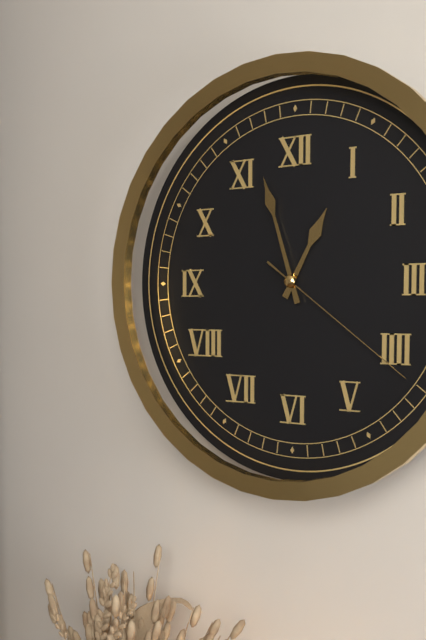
12.57.21
